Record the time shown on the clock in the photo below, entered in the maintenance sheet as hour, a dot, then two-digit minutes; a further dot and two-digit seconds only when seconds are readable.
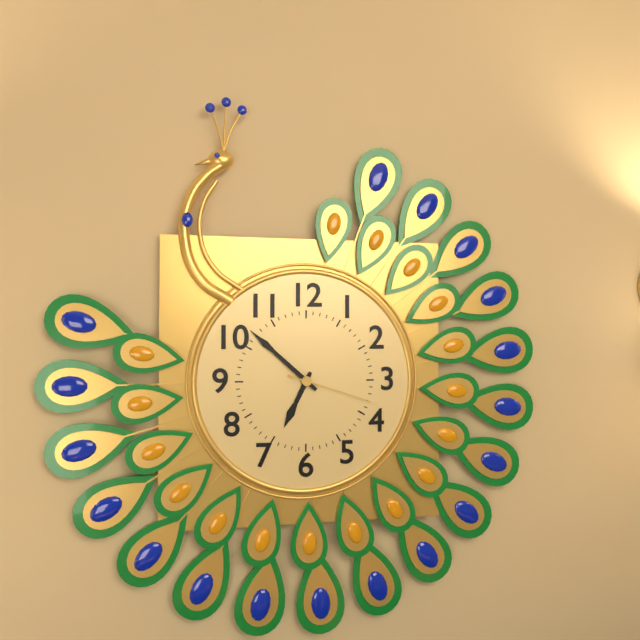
6.52.18
